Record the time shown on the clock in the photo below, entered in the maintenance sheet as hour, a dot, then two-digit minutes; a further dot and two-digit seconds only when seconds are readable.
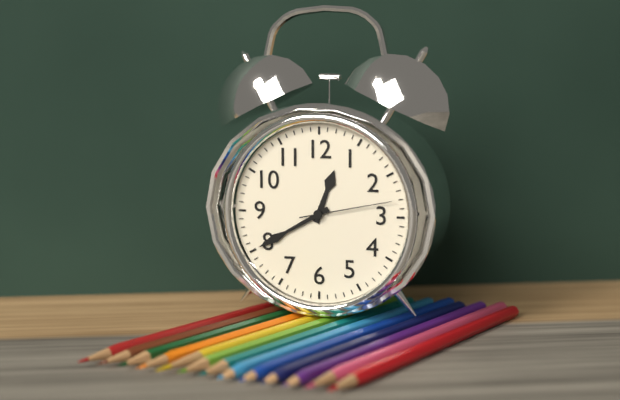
12.40.13
